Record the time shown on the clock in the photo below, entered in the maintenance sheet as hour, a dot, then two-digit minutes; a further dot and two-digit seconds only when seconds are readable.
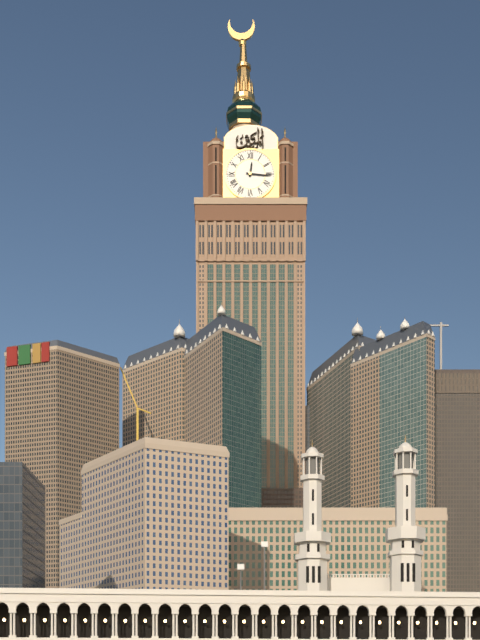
12.16
